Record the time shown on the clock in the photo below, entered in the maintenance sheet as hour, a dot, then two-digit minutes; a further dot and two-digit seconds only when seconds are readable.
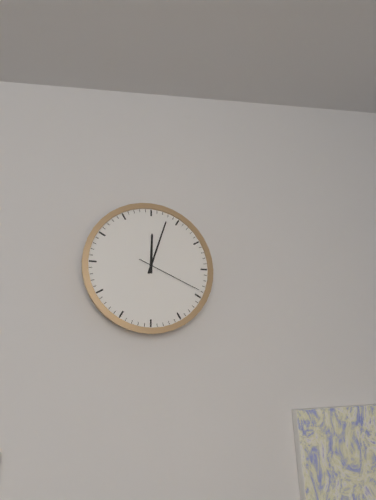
12.03.19
